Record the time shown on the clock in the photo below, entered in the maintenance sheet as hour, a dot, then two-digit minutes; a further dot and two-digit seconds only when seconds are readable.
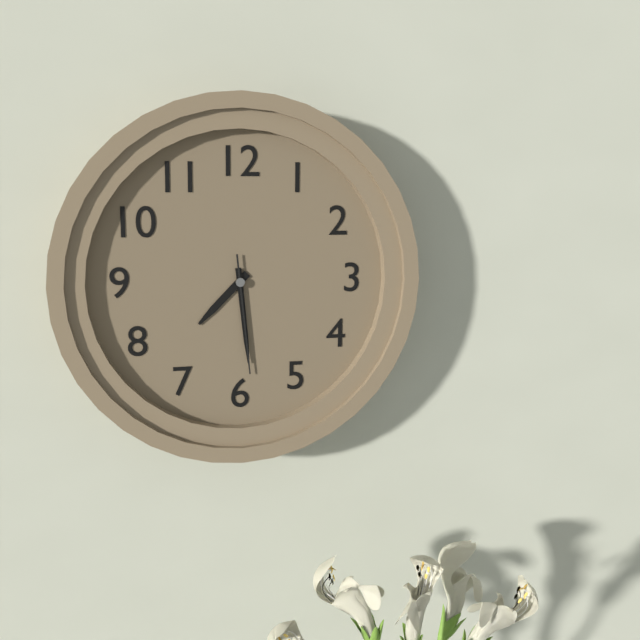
7.29.29
